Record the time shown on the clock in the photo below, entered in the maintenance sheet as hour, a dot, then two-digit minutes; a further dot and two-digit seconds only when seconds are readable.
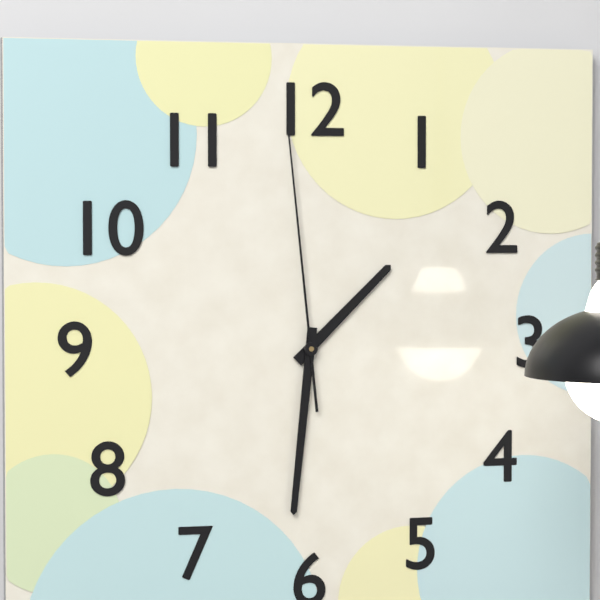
1.31.59
